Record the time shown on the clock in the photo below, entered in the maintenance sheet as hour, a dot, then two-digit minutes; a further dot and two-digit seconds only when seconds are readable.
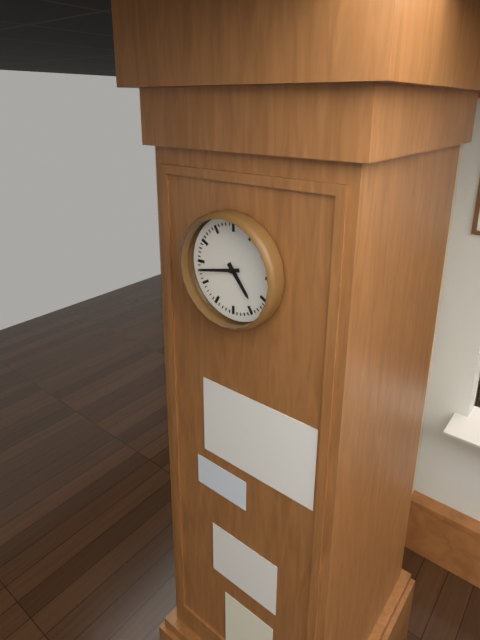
4.43
